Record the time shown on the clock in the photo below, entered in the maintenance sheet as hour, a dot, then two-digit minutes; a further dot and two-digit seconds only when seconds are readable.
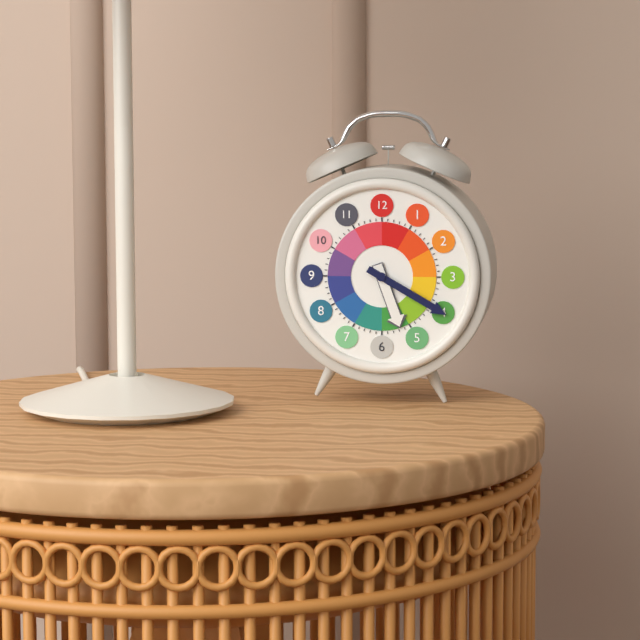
5.20
